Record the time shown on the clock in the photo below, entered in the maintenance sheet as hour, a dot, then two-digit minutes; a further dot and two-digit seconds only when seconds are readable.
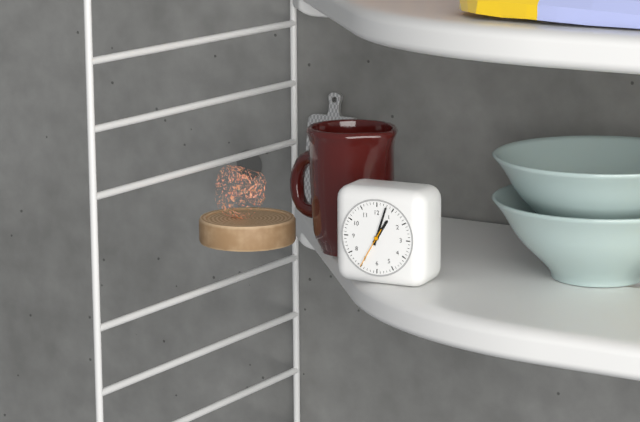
1.03
